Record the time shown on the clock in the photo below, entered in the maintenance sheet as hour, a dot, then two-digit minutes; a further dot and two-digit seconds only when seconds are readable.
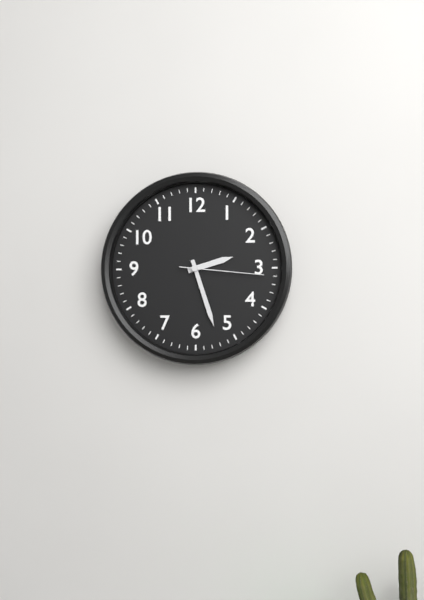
2.27.16
